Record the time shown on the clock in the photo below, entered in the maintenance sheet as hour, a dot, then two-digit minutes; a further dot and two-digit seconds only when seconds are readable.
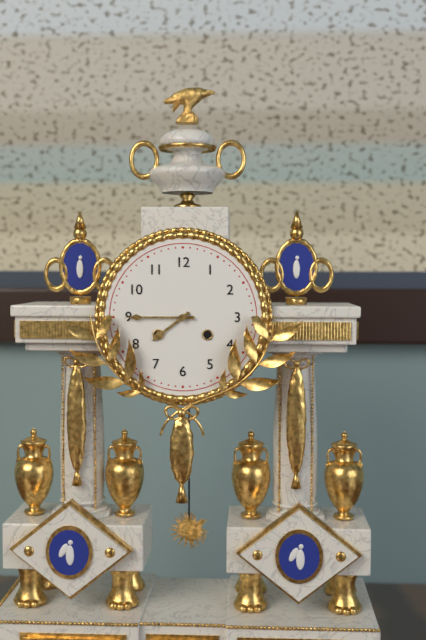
7.45
